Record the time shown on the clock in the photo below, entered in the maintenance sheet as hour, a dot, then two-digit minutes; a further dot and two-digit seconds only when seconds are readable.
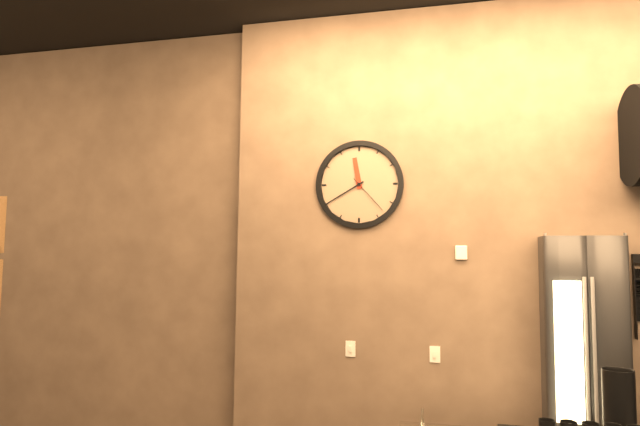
11.40
